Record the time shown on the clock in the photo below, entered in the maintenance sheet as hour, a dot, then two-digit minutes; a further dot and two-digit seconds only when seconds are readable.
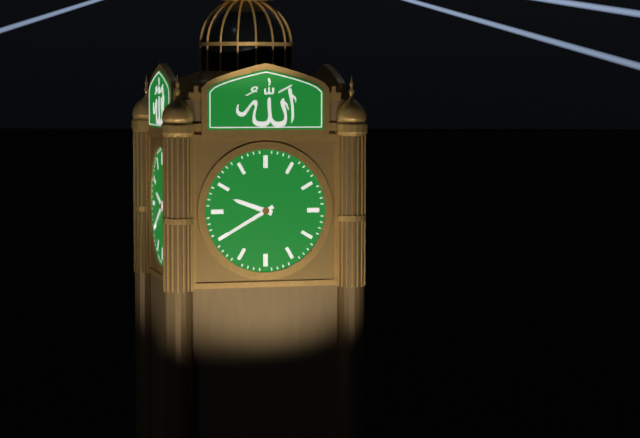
9.40
